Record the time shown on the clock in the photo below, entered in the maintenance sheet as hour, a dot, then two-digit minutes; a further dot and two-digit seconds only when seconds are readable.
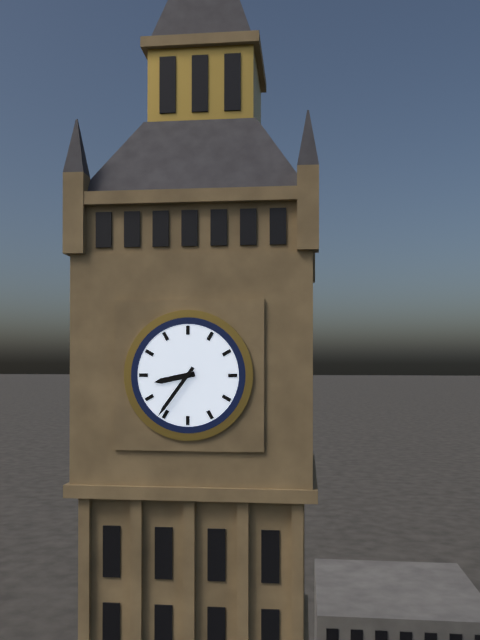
8.36
